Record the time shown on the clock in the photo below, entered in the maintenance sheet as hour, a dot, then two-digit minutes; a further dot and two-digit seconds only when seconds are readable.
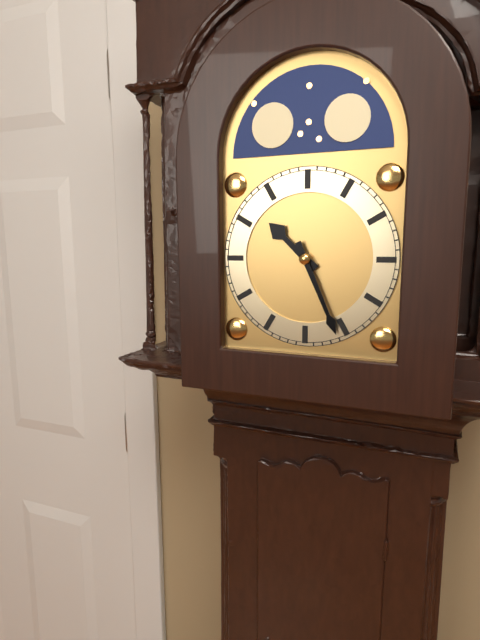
10.26
